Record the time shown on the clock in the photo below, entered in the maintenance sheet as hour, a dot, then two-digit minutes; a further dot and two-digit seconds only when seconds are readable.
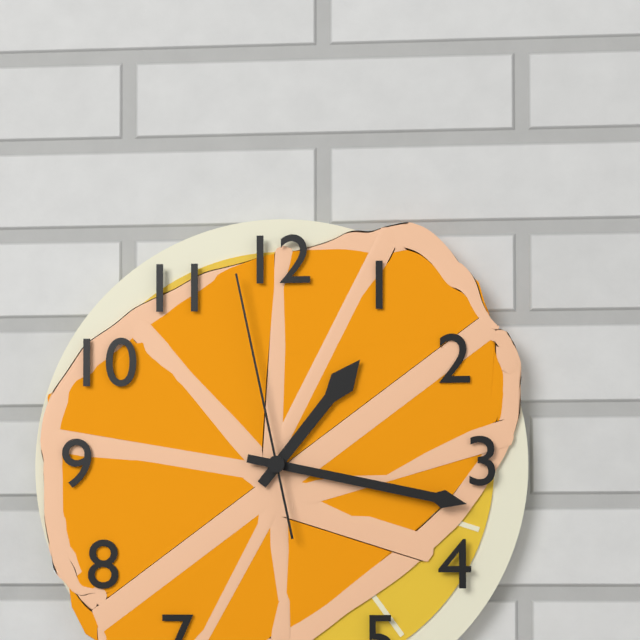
1.17.58
